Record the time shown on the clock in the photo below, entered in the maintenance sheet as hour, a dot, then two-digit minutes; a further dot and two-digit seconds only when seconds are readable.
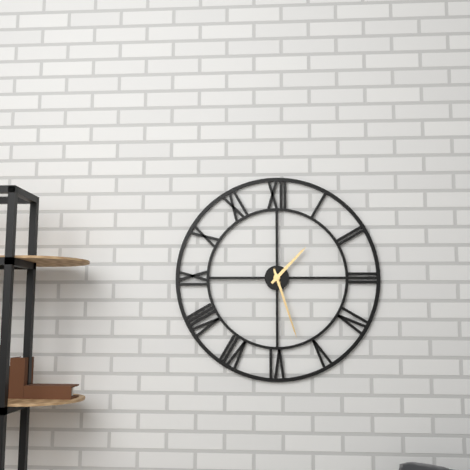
1.27
